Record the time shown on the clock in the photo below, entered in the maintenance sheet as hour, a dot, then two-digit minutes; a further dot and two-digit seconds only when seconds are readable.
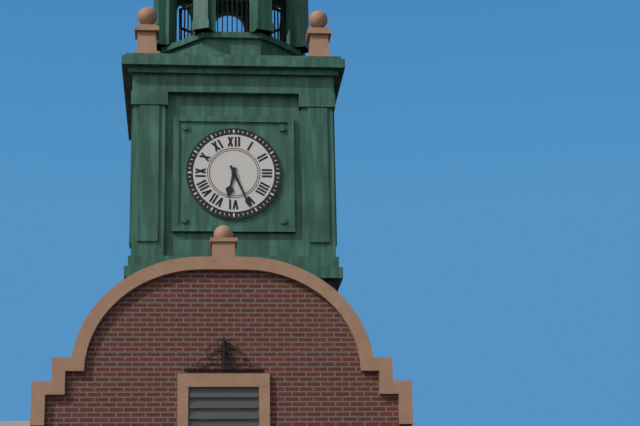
6.26
